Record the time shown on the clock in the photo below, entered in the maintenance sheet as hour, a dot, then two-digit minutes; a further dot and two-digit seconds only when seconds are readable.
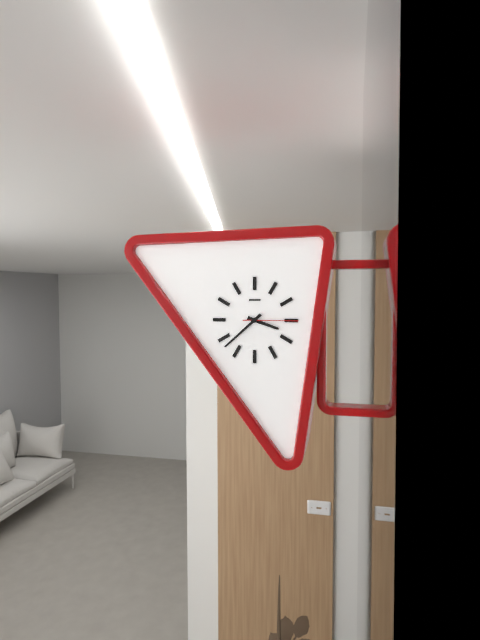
3.38.15
